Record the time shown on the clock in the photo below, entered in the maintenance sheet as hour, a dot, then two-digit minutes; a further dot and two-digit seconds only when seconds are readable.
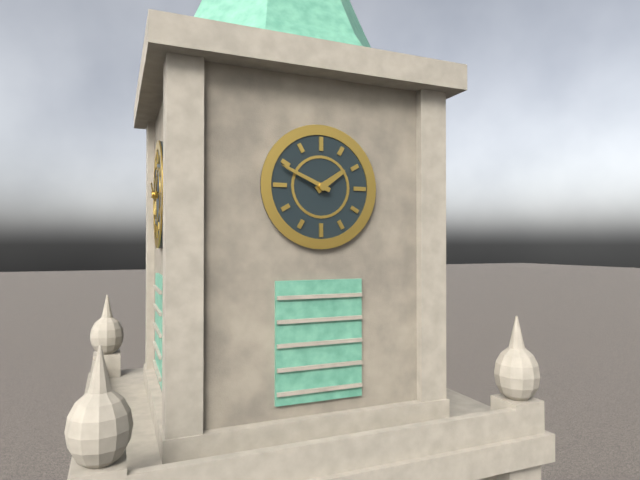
1.49
